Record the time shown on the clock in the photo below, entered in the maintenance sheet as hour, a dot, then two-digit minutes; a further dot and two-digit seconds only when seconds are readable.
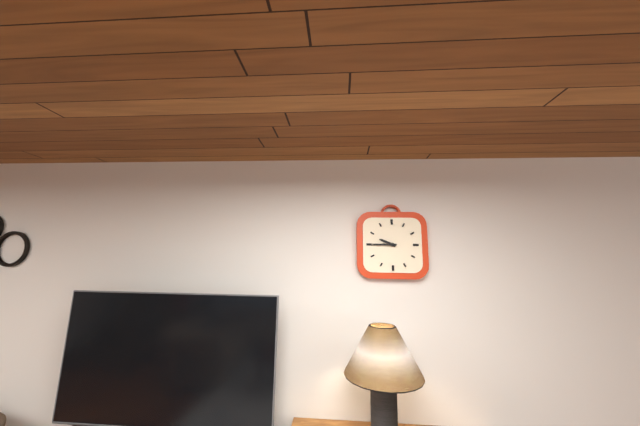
9.45
